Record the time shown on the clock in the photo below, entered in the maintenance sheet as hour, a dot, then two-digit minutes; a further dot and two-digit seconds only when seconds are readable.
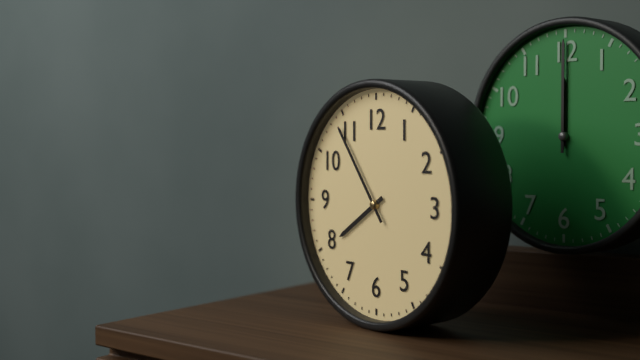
7.54
